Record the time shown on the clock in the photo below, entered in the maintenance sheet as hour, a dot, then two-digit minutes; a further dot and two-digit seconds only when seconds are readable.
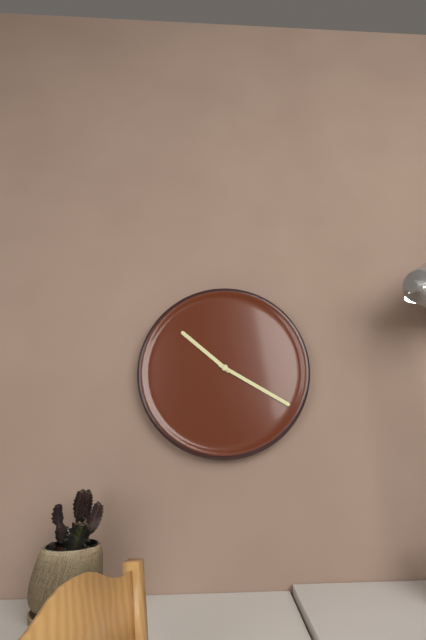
10.20
